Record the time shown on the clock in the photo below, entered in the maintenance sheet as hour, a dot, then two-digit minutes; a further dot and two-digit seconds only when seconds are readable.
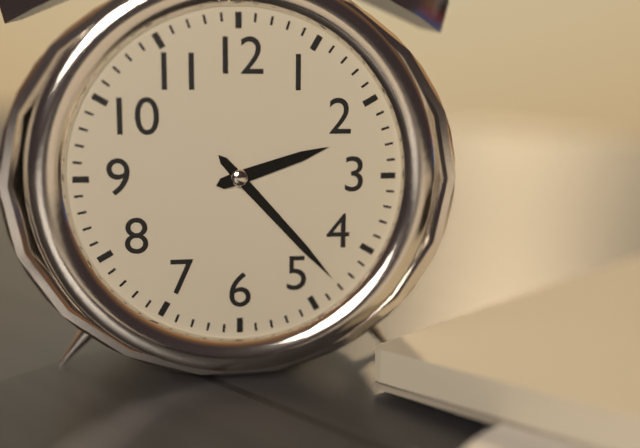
2.23
